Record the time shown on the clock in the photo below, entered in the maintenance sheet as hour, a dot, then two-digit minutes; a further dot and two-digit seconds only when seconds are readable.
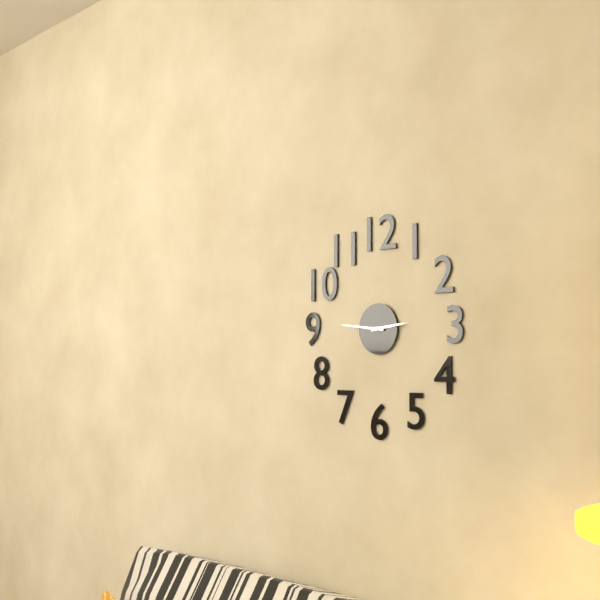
2.46
